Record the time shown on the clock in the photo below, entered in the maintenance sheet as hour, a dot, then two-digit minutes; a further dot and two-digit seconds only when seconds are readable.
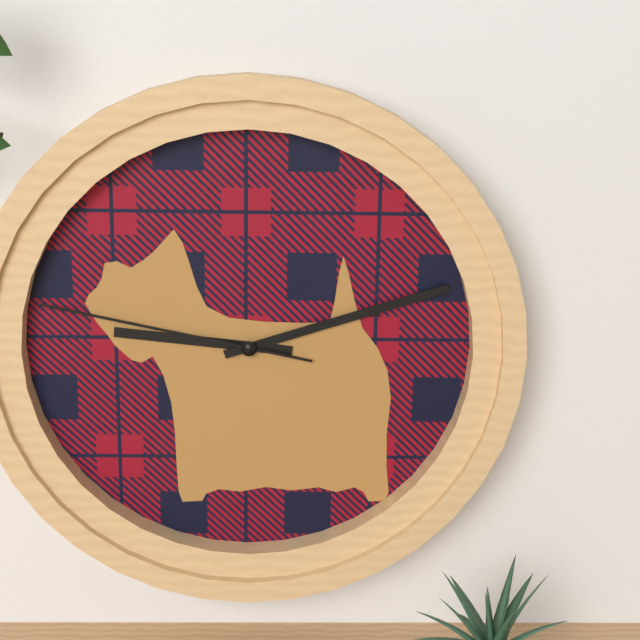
9.12.47
